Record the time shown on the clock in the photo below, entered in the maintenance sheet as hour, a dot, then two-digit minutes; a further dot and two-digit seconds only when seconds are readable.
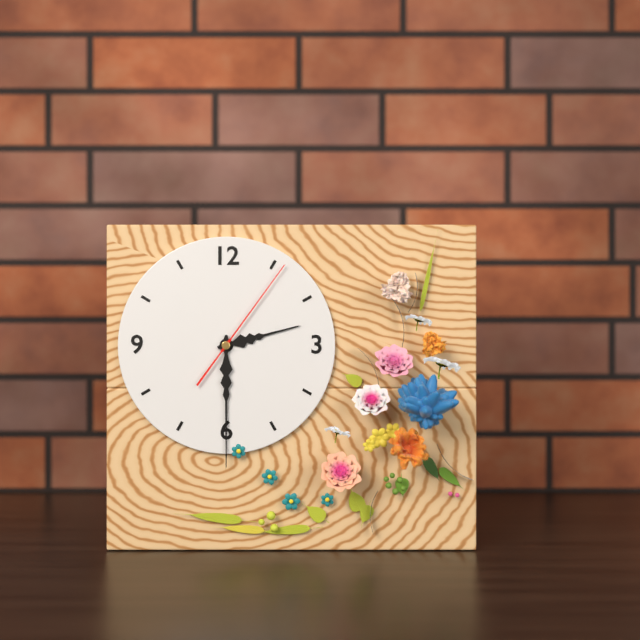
2.30.06
